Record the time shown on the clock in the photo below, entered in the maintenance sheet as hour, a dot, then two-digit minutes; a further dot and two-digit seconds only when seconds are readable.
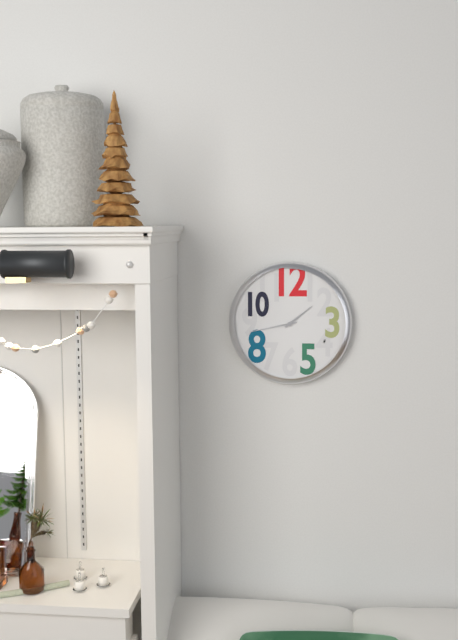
1.43
